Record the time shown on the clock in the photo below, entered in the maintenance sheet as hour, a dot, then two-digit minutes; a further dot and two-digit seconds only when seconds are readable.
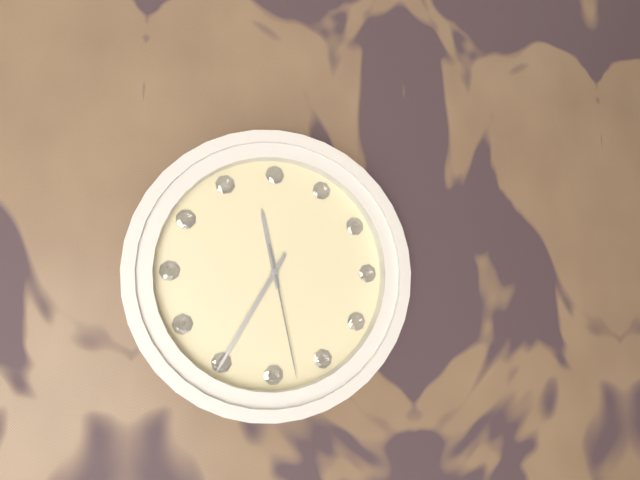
11.35.28
